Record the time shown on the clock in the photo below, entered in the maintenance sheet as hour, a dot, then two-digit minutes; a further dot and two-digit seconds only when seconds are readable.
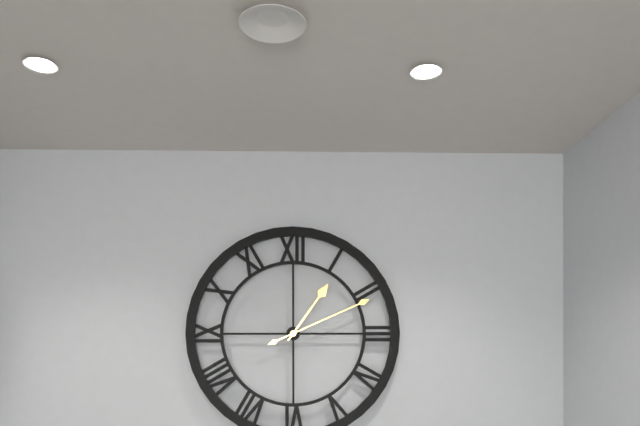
1.11
